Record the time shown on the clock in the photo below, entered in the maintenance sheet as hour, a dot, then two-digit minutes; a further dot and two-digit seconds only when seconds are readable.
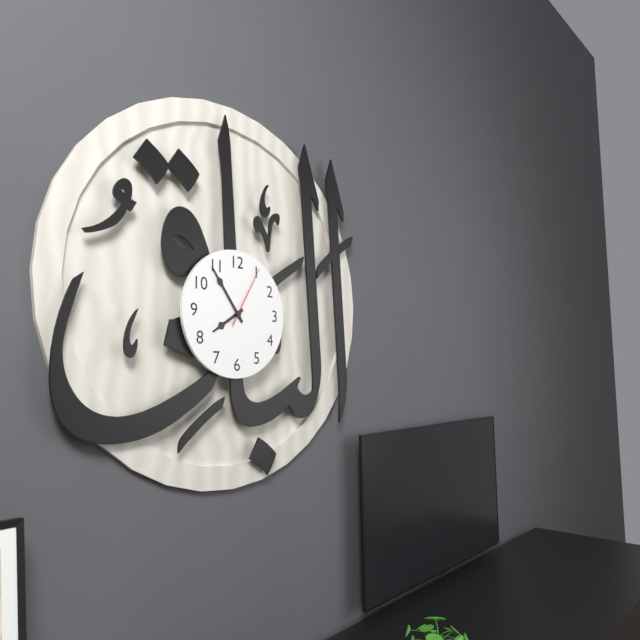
7.54.05
